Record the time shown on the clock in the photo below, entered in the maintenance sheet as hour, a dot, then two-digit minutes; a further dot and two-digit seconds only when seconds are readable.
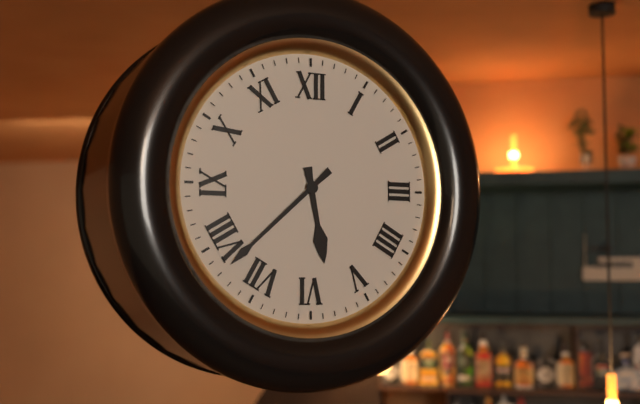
5.38
